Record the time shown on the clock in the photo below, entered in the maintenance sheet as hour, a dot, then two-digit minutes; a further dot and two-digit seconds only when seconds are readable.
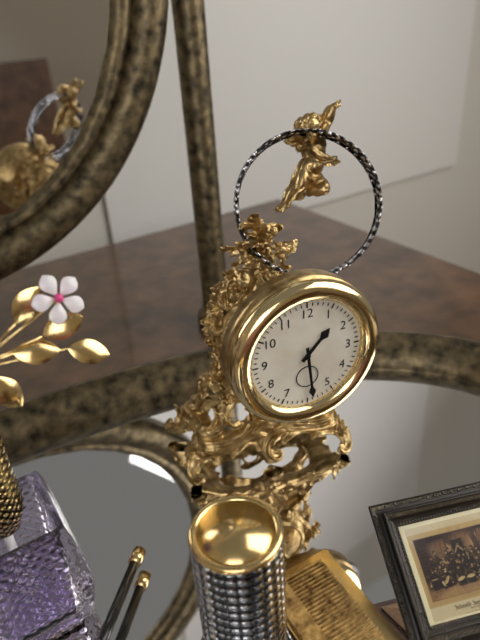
1.29
